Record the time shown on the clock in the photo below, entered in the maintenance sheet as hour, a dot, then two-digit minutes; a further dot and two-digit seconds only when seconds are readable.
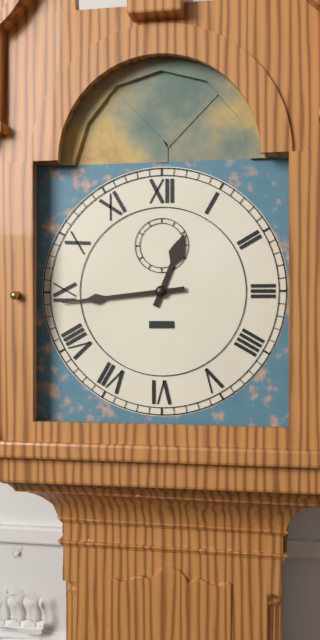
12.44
